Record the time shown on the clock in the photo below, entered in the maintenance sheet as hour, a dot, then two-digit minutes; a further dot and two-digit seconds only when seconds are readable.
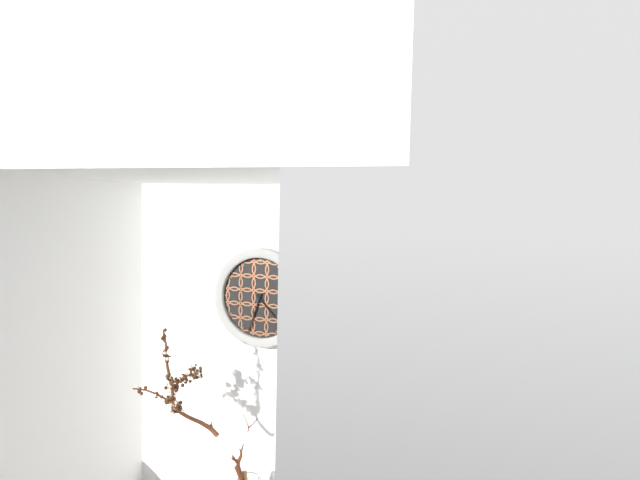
4.33
